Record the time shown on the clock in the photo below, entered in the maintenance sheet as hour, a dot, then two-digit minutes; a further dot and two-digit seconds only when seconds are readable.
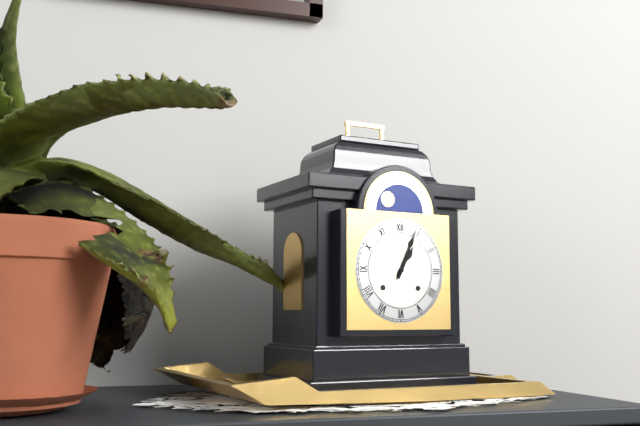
1.04
